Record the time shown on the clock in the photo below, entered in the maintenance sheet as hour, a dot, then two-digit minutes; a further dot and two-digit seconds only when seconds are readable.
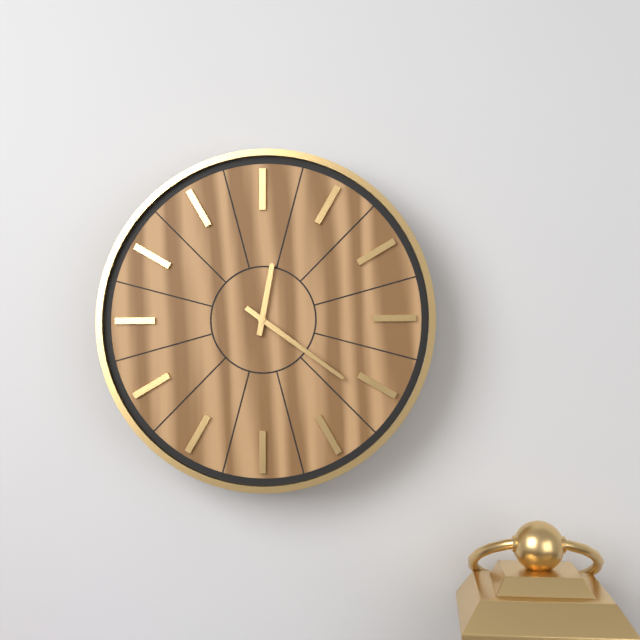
12.21
